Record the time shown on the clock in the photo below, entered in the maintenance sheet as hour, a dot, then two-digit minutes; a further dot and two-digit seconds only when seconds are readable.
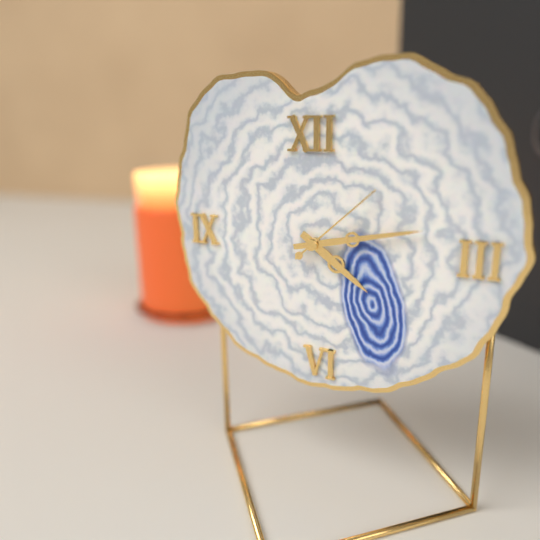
4.13.08
